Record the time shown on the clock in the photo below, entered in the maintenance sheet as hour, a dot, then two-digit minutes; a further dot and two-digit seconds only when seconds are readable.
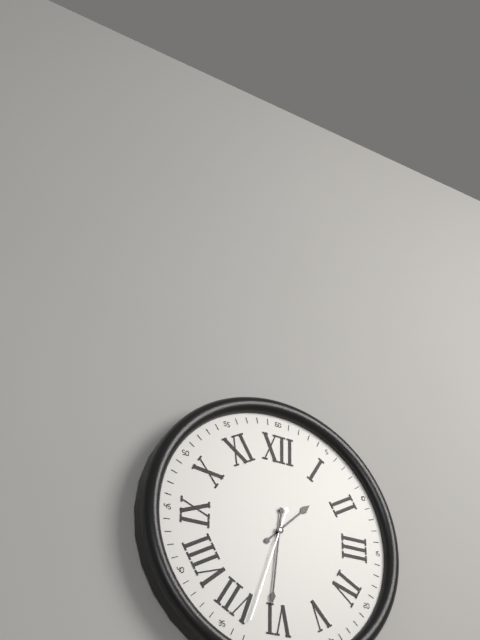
1.31.33
